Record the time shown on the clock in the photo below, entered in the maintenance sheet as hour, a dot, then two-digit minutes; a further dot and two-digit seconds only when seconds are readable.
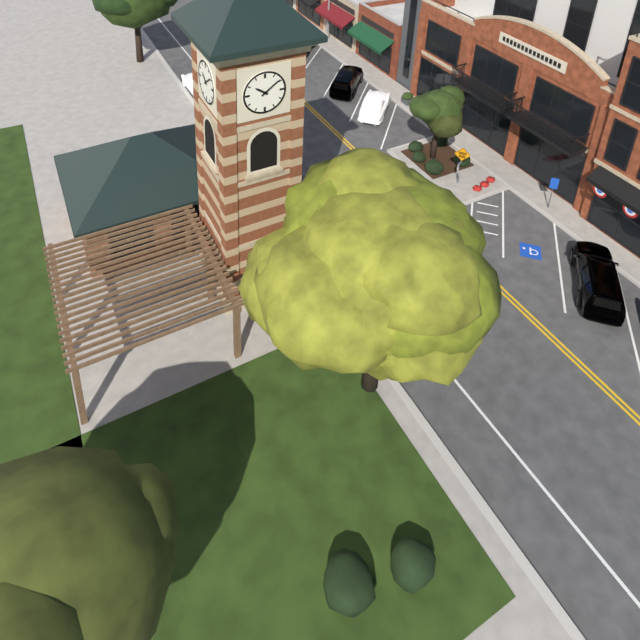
10.09
